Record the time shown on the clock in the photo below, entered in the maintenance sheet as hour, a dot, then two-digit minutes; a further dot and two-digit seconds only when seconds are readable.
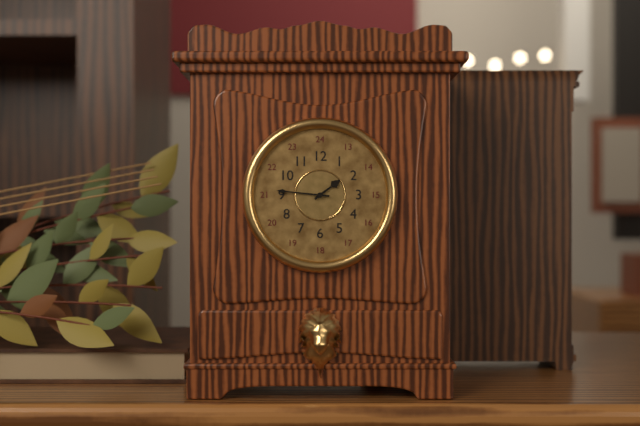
1.46
